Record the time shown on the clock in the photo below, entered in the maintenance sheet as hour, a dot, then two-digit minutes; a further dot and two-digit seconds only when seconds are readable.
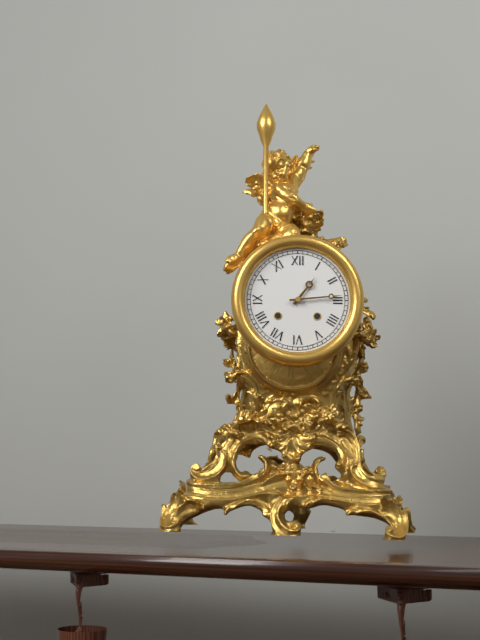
1.14
